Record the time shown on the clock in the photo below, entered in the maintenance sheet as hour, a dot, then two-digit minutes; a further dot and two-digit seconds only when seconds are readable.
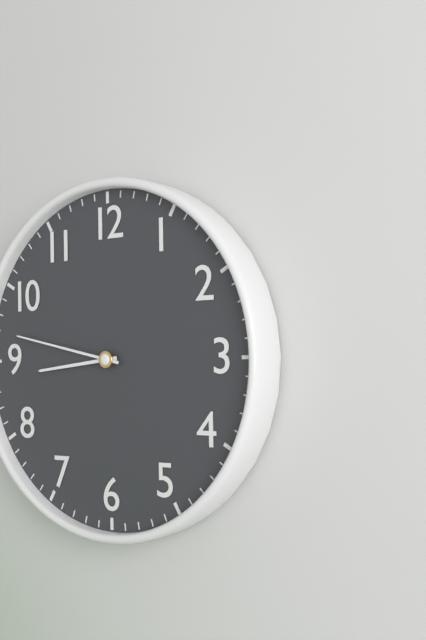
8.47
